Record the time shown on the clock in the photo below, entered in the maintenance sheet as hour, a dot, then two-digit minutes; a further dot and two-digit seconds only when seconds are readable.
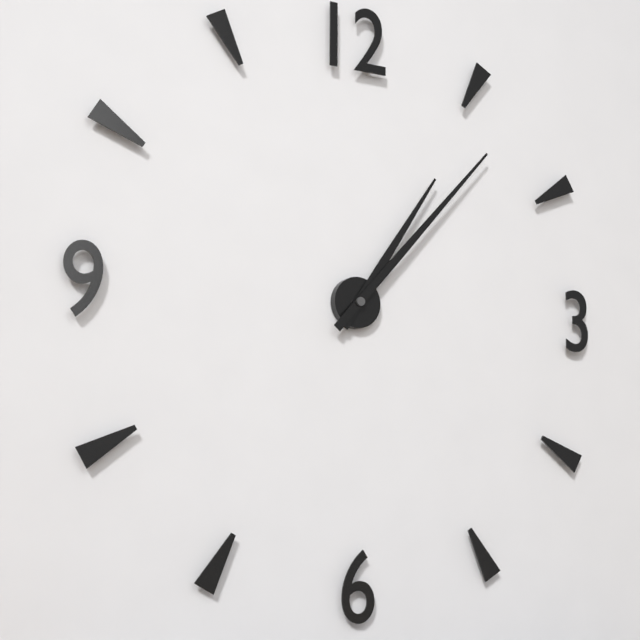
1.07
